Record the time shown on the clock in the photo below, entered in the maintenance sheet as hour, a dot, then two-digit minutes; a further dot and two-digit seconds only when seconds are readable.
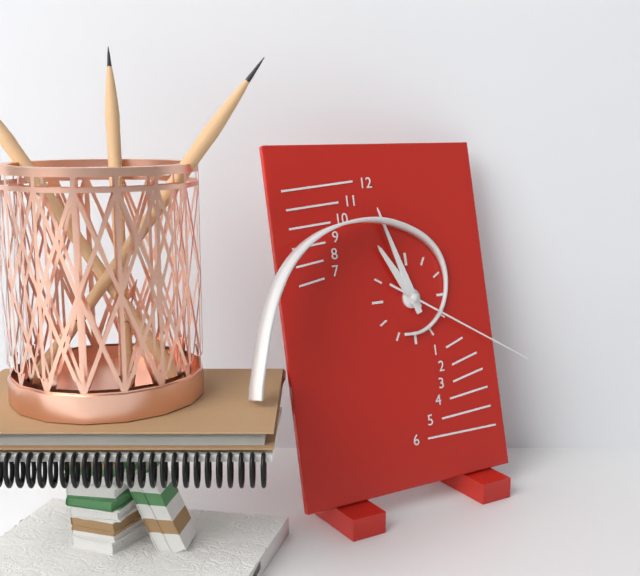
10.57.20
